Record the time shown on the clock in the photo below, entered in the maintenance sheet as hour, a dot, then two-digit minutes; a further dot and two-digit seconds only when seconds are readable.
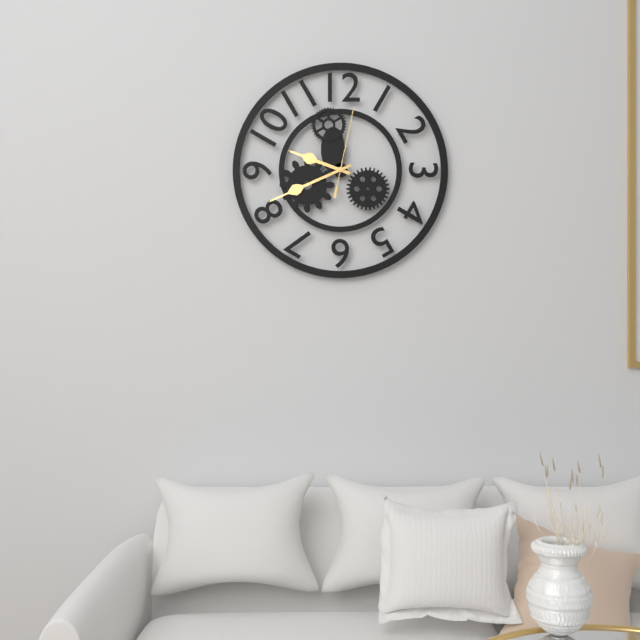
9.41.02
